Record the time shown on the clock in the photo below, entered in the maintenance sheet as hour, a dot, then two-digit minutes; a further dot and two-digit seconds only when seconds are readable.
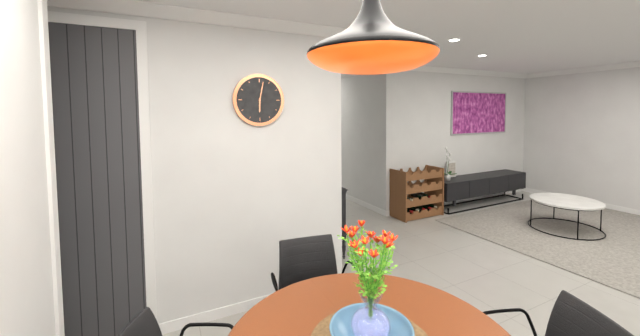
6.02
